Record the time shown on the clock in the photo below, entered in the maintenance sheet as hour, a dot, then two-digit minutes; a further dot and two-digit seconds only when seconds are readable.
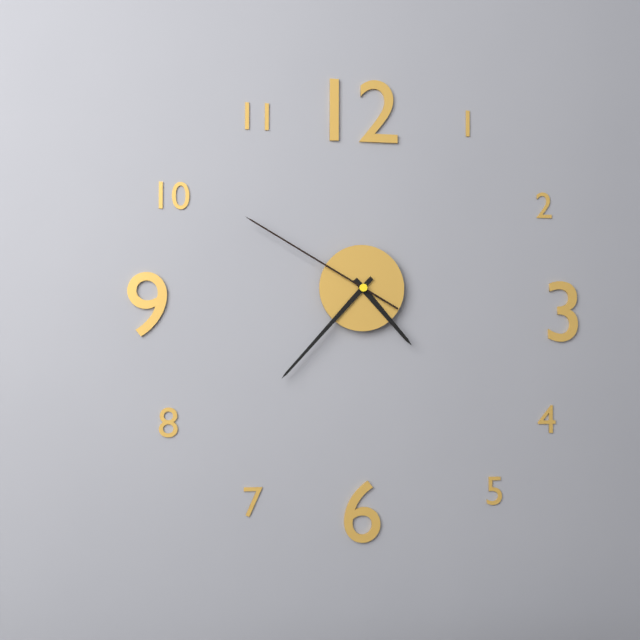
4.37.50
